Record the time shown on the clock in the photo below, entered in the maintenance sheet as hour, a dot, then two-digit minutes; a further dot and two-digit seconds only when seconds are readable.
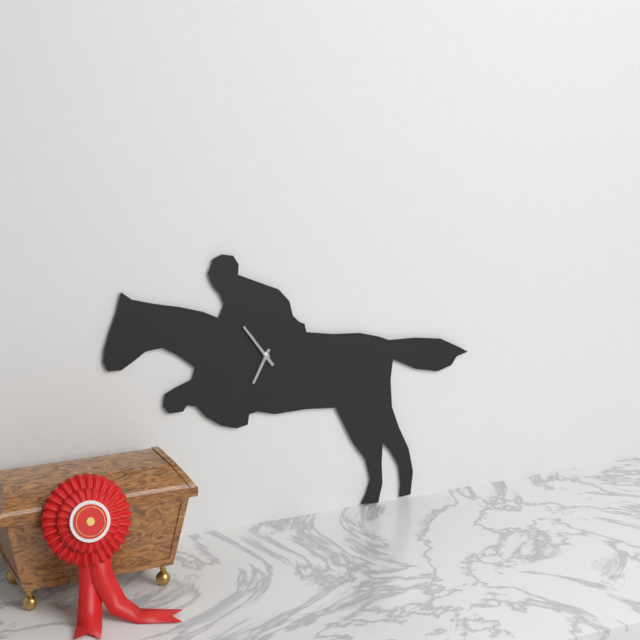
6.54
